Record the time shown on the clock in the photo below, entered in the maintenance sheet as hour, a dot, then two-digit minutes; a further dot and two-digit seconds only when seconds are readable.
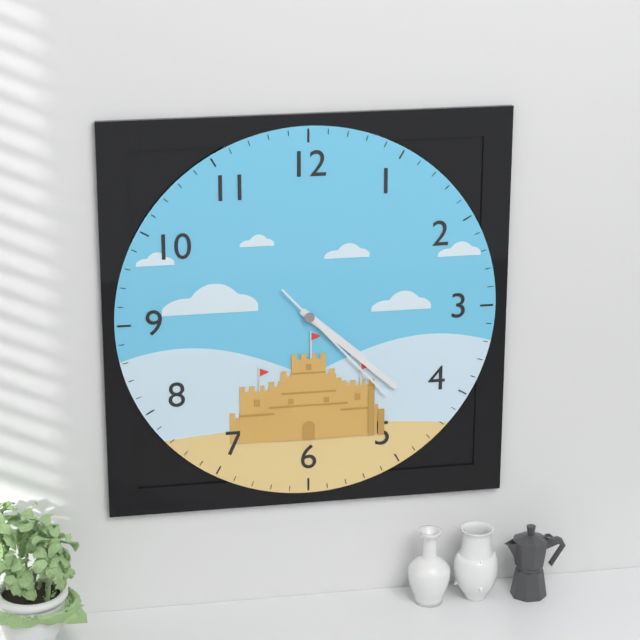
4.22.23
